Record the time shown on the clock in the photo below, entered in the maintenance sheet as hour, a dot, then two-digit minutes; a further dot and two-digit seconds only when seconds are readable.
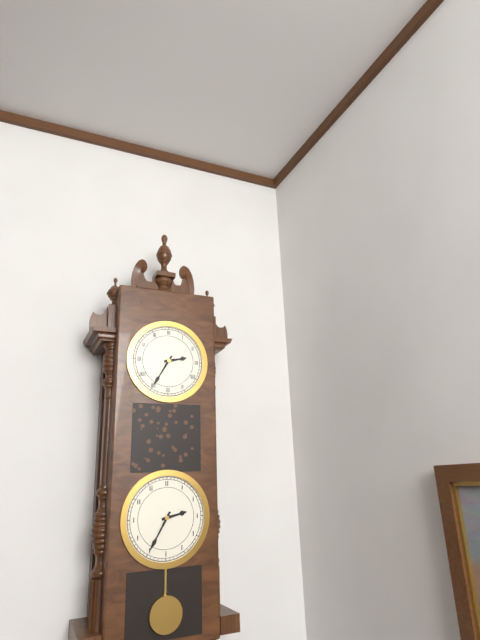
2.35
